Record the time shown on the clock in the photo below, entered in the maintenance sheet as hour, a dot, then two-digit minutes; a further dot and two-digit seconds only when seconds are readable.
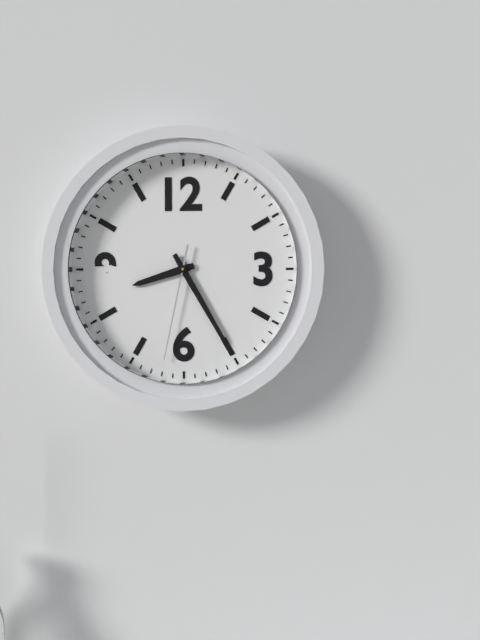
8.25.32
